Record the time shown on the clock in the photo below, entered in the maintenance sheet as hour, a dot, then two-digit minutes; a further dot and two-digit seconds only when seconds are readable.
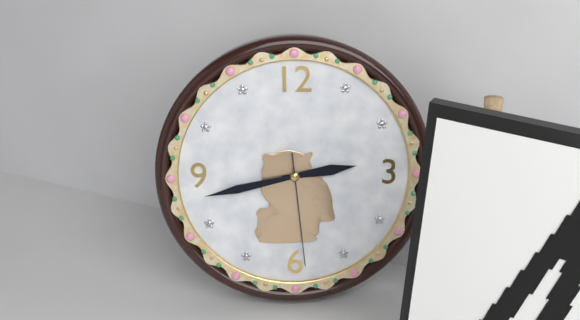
2.43.29
